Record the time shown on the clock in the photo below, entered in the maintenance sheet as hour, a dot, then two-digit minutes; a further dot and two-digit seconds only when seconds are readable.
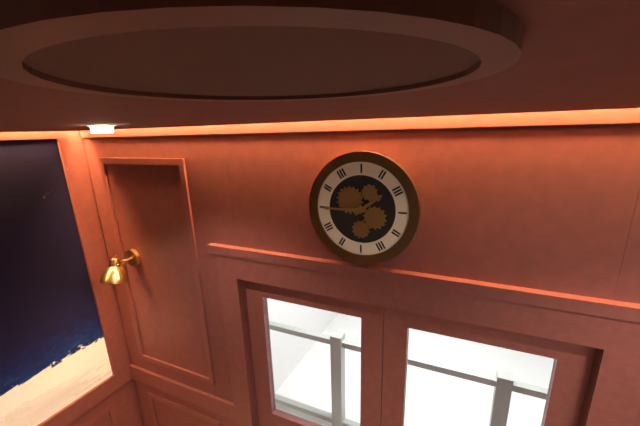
1.45
